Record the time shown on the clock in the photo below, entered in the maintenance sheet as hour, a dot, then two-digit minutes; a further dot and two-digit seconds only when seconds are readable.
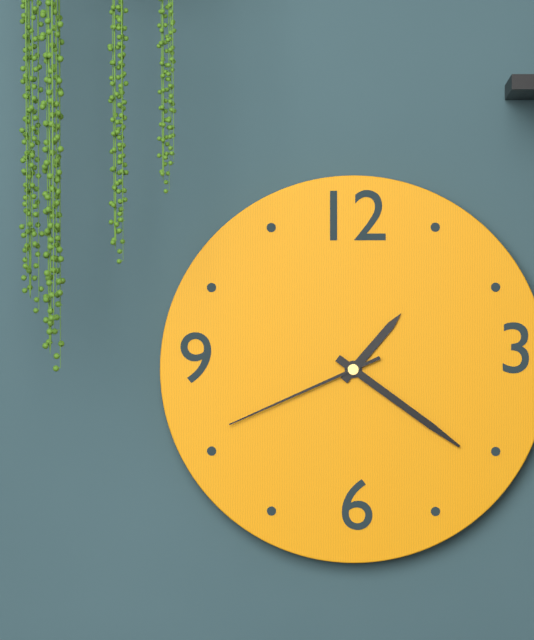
1.21.41
